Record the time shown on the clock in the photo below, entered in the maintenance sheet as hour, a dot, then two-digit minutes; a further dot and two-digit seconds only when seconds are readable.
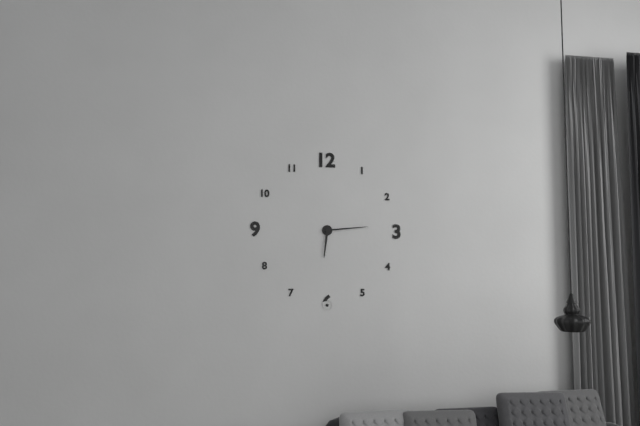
6.14
